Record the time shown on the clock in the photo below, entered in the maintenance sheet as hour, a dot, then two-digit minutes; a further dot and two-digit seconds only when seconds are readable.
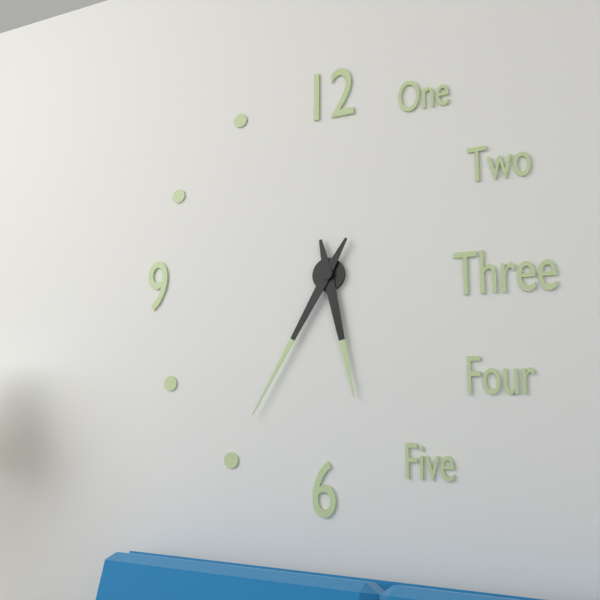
5.35
